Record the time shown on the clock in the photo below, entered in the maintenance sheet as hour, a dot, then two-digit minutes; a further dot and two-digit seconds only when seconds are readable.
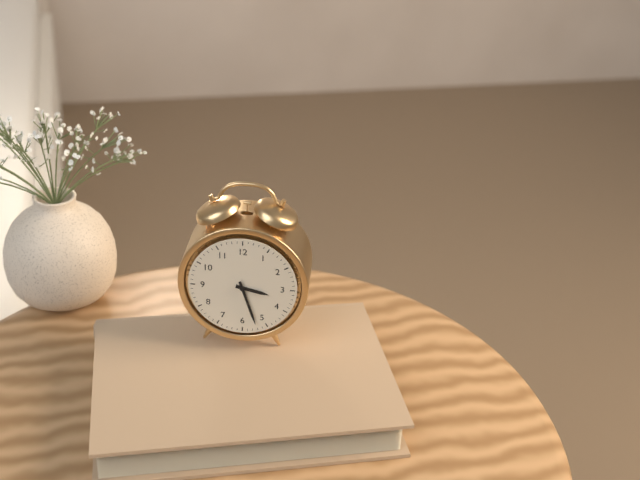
3.27
